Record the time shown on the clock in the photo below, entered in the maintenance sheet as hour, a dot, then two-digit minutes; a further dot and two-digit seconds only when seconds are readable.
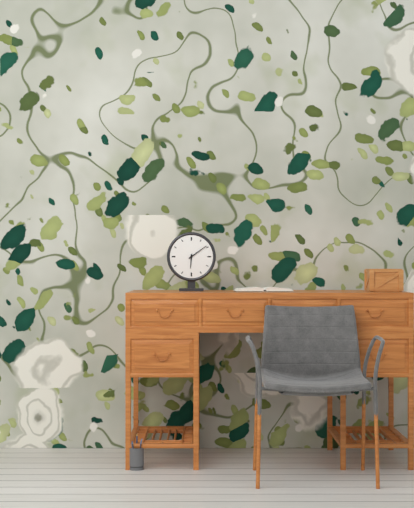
6.09
